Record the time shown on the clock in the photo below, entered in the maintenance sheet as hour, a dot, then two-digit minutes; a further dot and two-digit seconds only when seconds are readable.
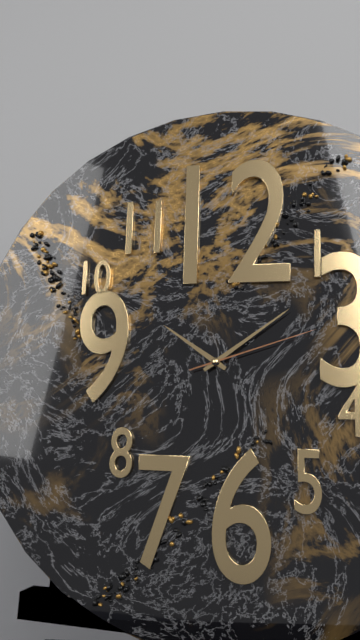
10.09.12
